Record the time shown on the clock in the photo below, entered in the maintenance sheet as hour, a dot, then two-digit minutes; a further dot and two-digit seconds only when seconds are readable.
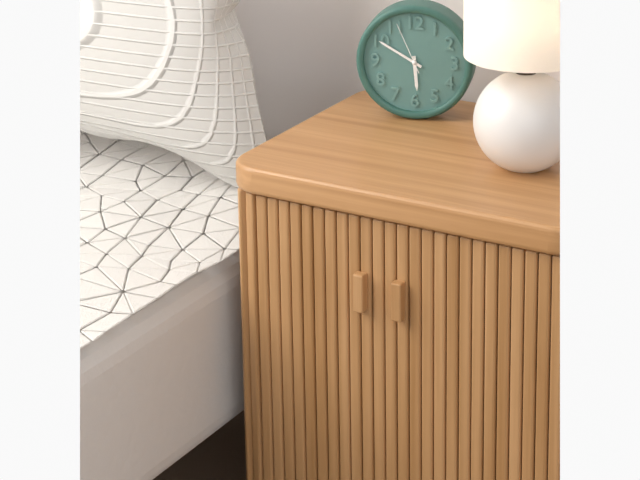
5.50.56
